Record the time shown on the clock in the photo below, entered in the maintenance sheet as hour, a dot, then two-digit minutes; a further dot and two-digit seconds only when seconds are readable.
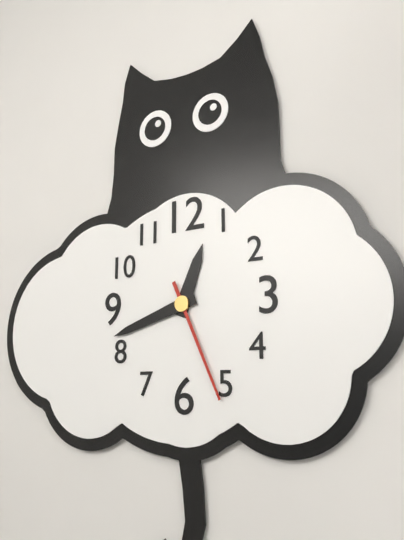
12.42.26
